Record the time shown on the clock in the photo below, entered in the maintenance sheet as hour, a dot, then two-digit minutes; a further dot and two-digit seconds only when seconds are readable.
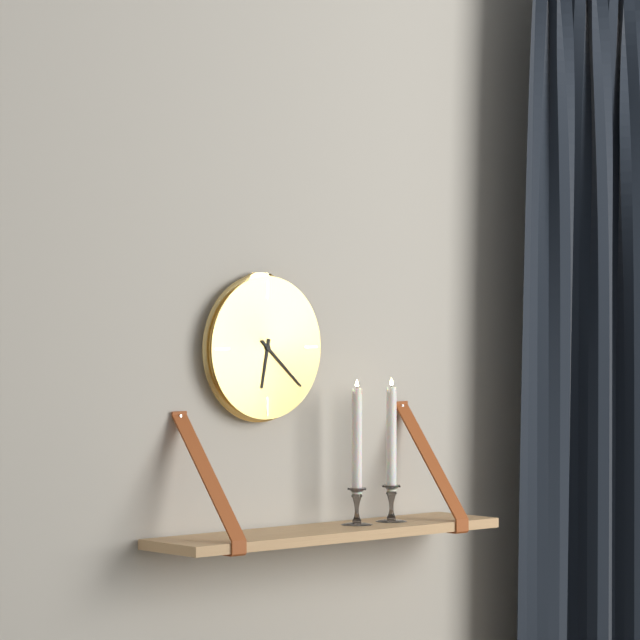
6.22
